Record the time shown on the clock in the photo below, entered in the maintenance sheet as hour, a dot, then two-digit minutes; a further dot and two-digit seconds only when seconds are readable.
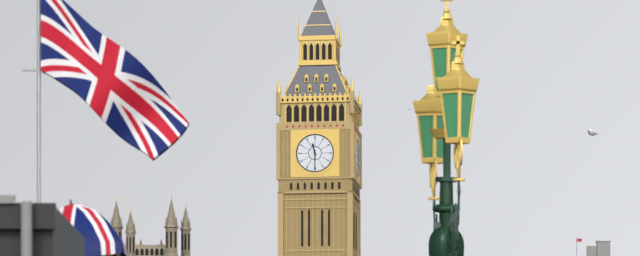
11.30
